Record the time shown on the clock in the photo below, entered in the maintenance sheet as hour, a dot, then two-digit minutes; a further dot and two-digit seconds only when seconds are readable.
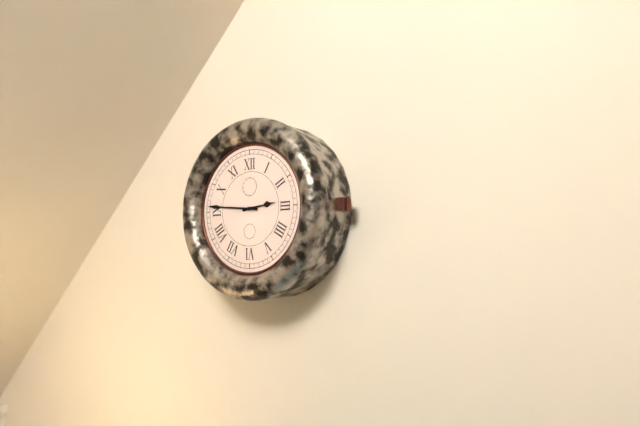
2.46
